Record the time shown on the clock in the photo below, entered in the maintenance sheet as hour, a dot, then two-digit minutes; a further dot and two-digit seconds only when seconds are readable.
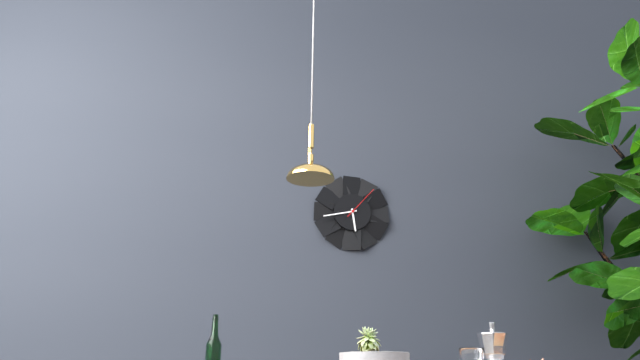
5.43
